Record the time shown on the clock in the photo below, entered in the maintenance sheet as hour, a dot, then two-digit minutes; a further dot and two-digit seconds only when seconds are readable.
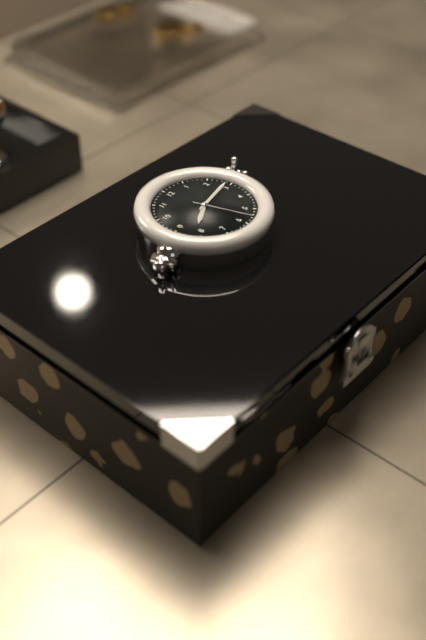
8.14.28
